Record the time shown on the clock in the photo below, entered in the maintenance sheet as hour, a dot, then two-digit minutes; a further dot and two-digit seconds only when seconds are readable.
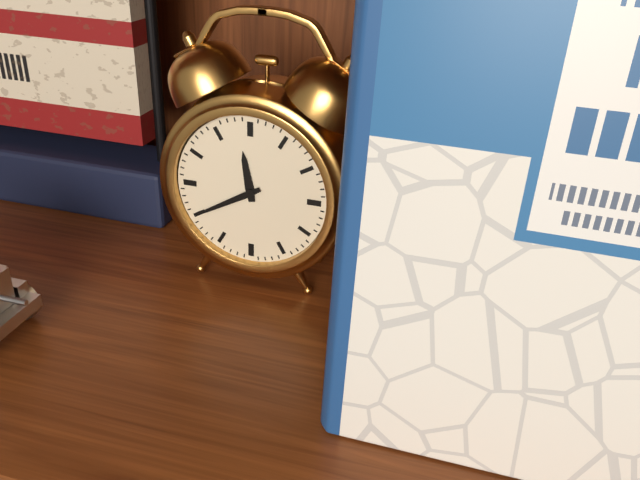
11.40
